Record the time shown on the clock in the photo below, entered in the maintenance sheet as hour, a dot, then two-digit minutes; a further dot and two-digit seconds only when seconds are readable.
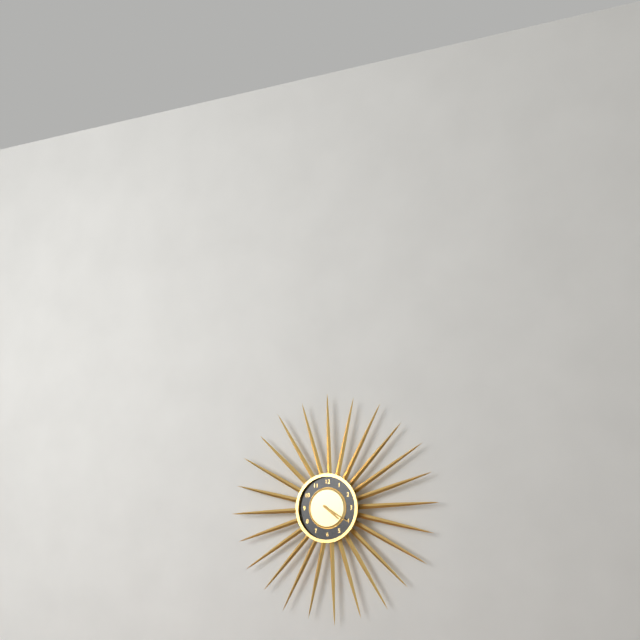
4.20
